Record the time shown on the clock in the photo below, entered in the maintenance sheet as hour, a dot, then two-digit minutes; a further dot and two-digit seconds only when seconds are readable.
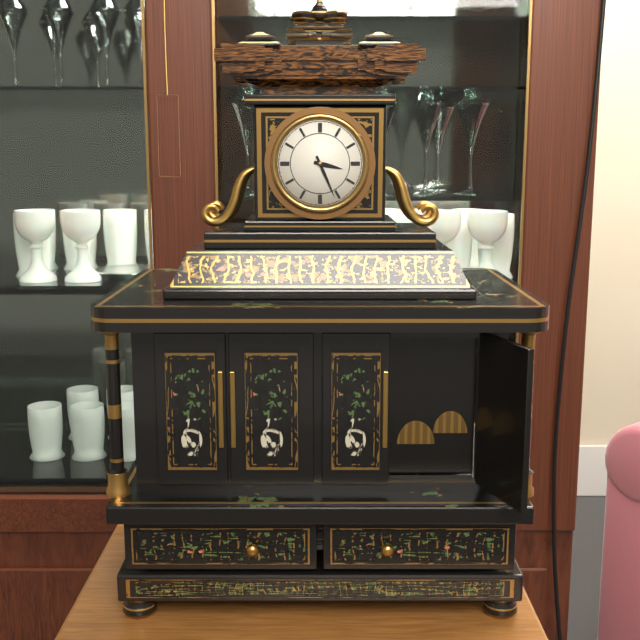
3.26
